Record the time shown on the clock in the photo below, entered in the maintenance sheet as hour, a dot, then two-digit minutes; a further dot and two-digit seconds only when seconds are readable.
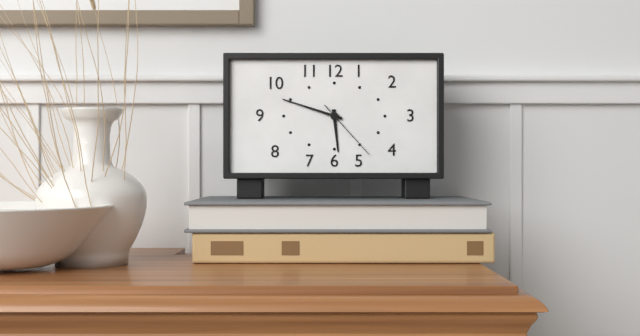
5.48.23
